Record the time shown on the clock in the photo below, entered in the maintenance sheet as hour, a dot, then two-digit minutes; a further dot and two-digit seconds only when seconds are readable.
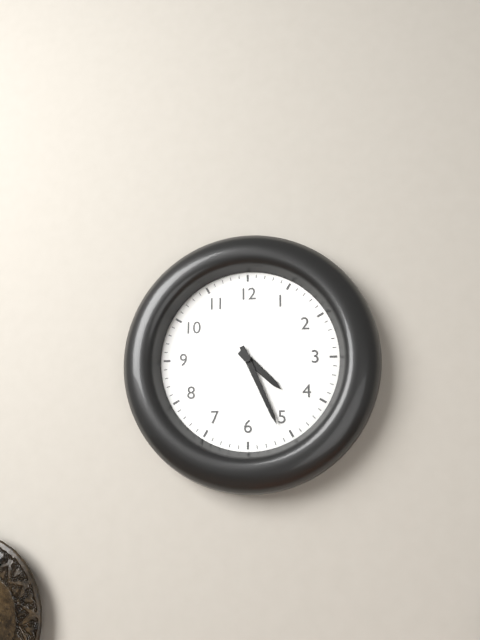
4.26
